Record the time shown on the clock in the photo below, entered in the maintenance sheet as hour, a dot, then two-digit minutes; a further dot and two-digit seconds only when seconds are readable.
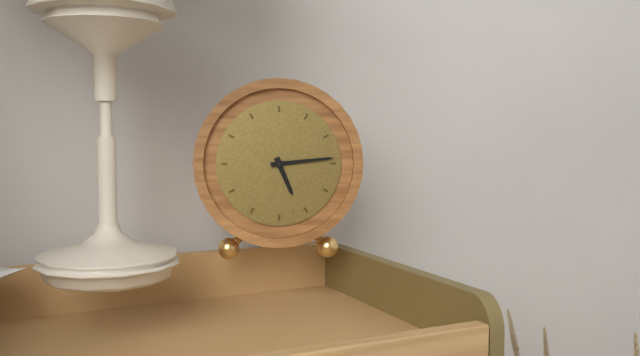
5.14
